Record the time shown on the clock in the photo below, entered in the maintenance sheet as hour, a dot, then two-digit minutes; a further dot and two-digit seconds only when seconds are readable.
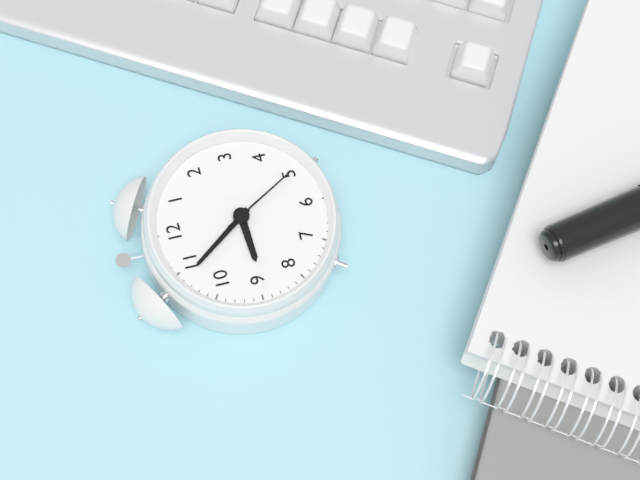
8.54.25
